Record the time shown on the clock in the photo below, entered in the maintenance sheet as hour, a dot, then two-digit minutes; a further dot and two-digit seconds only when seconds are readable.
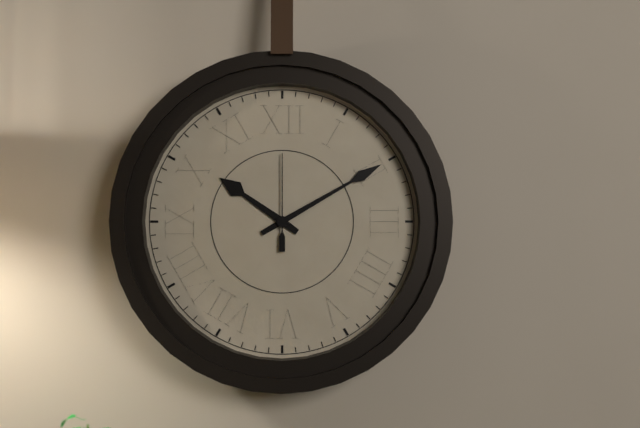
10.10.00
